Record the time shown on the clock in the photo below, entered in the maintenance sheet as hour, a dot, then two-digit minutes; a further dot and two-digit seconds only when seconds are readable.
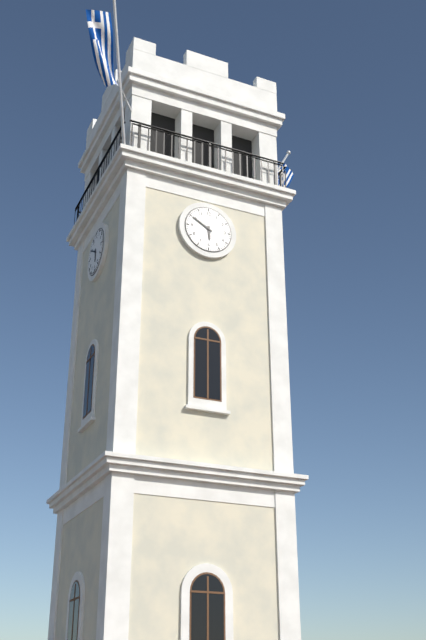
5.50
